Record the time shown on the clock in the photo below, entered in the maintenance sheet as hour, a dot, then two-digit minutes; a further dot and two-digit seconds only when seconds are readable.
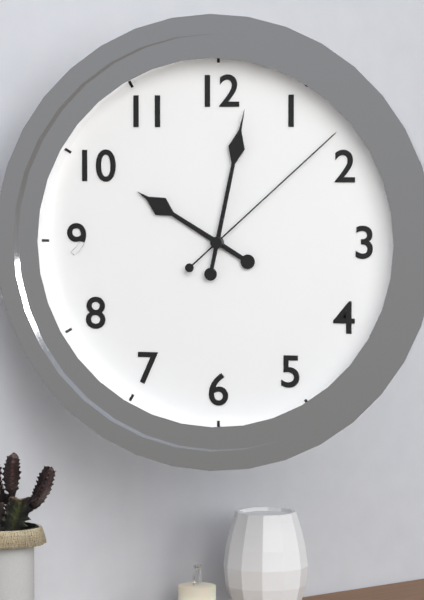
10.02.08
